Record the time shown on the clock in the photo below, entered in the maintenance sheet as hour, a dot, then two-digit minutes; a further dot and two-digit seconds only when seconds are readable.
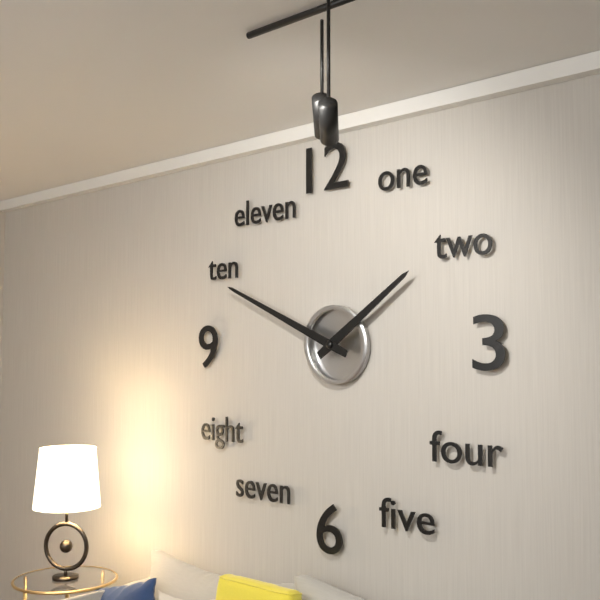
1.49
